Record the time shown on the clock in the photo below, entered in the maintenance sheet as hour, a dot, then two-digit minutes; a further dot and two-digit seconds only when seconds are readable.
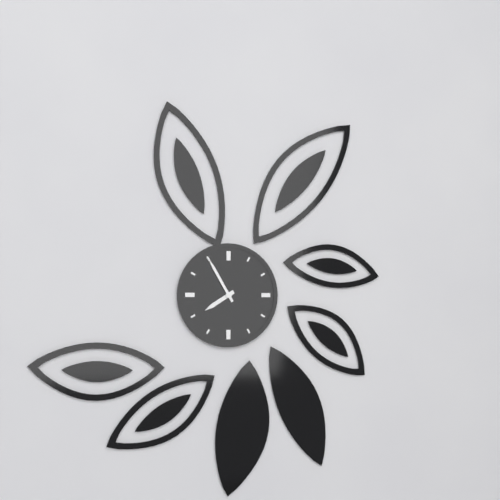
7.55
